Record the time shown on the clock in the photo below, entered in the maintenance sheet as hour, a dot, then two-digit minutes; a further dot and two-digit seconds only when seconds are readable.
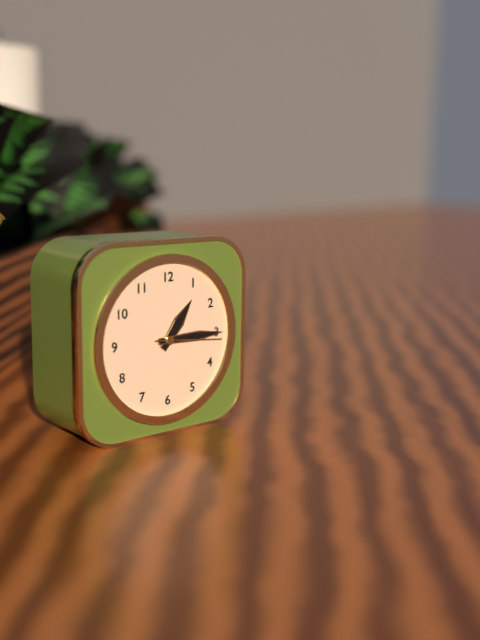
1.15.16
